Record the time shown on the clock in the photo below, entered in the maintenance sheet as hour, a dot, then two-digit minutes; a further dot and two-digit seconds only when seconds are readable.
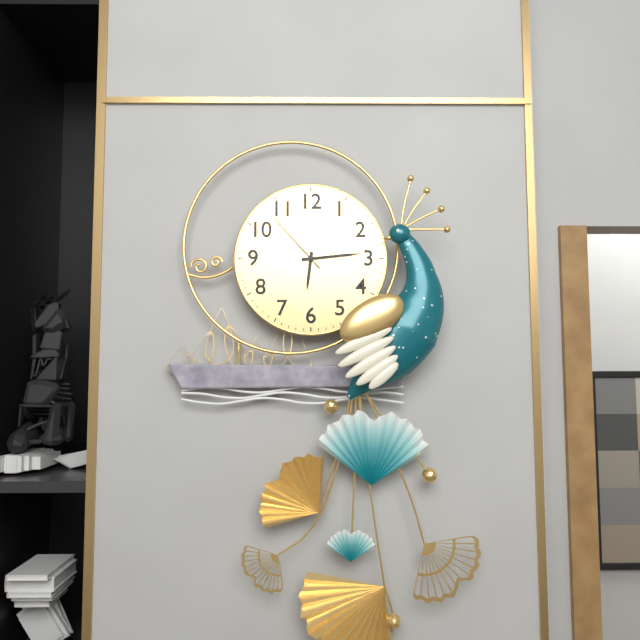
6.14.53
